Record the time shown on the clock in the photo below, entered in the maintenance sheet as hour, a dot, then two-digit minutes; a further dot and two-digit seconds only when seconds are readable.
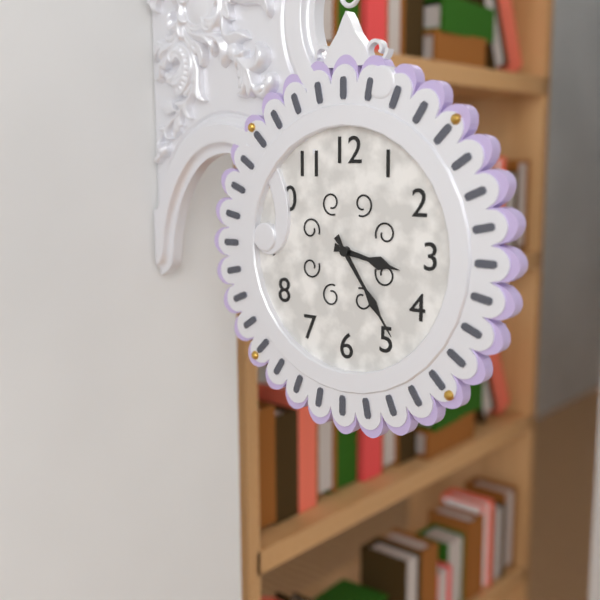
3.24
